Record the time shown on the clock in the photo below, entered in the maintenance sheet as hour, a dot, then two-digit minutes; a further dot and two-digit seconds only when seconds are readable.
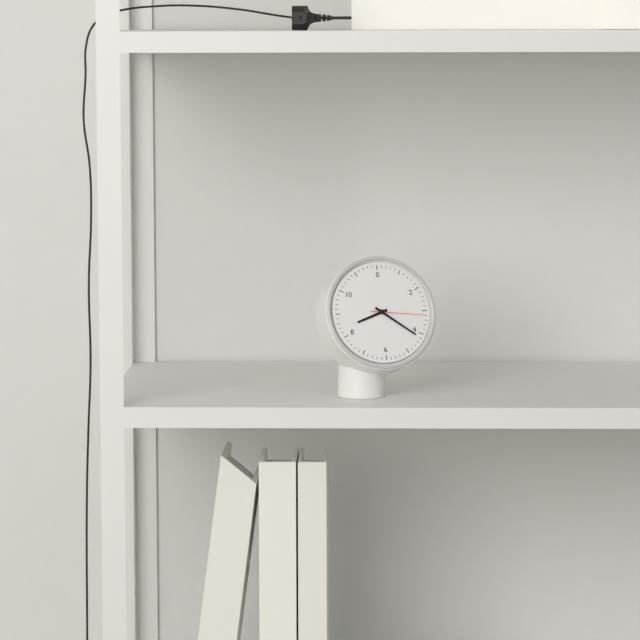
8.21.16
